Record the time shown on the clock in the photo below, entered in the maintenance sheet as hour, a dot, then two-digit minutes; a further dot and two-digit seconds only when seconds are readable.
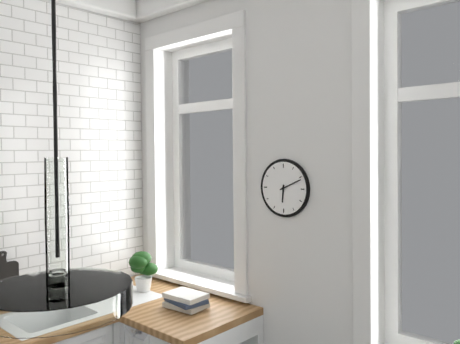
6.11
